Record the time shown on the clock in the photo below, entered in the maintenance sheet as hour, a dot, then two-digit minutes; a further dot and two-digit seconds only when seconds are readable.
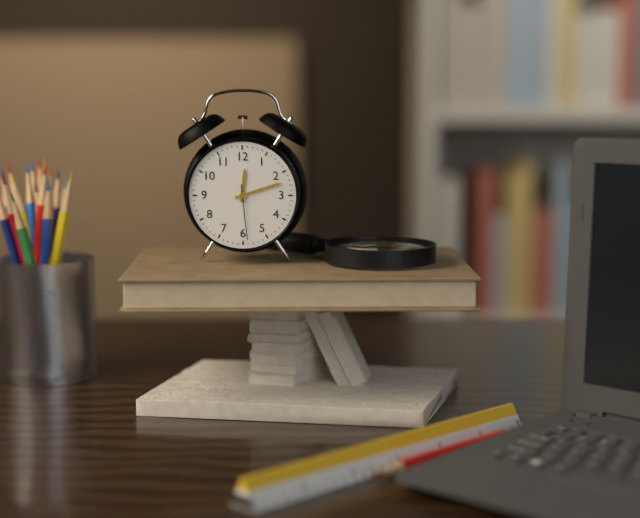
12.12.29
